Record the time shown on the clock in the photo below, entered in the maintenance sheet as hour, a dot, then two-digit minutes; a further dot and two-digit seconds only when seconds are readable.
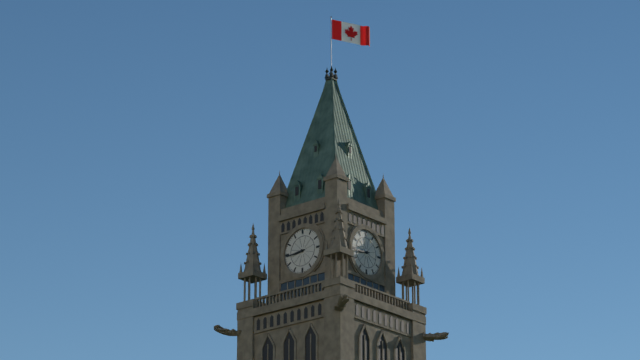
8.44
